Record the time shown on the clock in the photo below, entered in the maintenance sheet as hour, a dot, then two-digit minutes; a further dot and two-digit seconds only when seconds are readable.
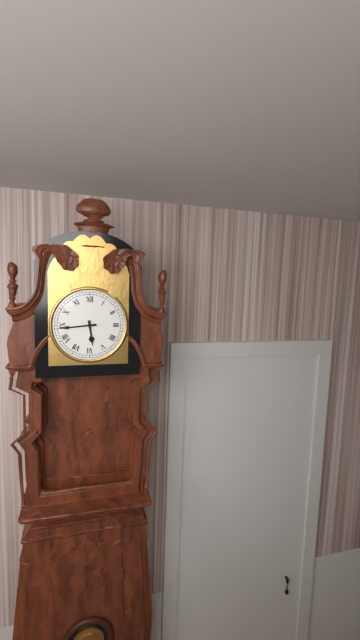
5.44
